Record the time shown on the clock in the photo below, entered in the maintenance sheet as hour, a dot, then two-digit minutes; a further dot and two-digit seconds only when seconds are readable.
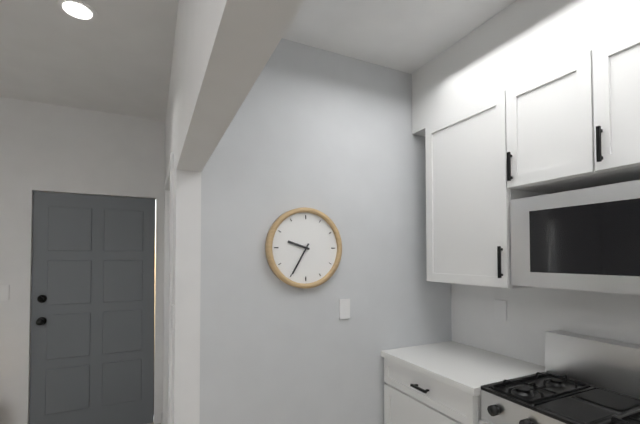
9.35
